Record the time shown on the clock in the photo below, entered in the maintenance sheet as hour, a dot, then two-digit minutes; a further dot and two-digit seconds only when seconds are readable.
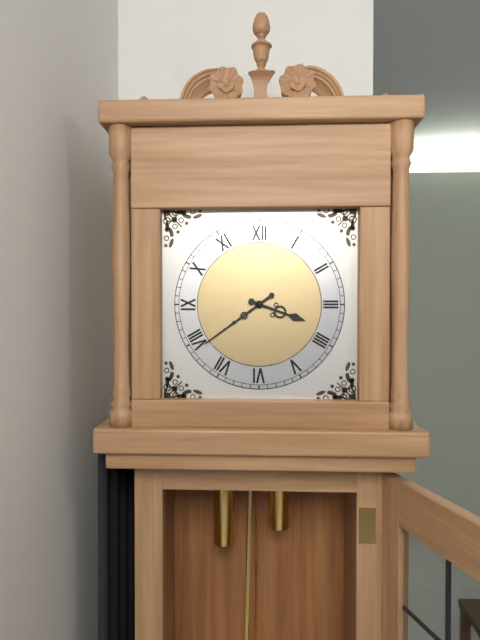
3.39
